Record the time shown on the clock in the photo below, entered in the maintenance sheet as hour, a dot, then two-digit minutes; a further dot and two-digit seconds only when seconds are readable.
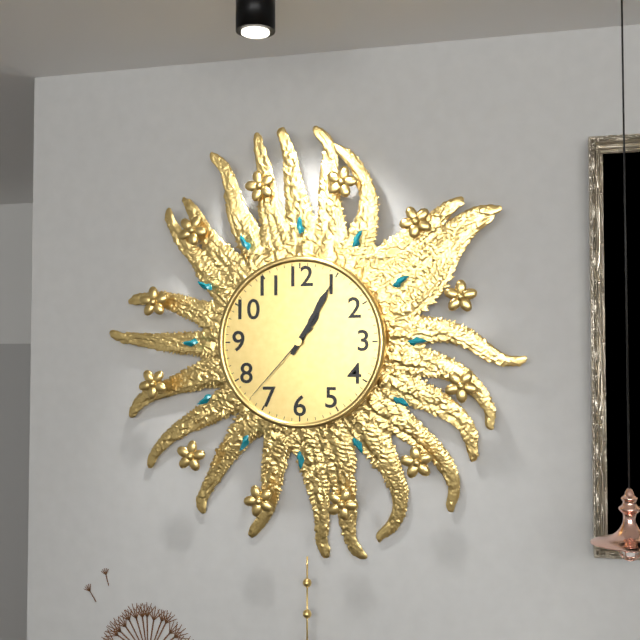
1.05.37
